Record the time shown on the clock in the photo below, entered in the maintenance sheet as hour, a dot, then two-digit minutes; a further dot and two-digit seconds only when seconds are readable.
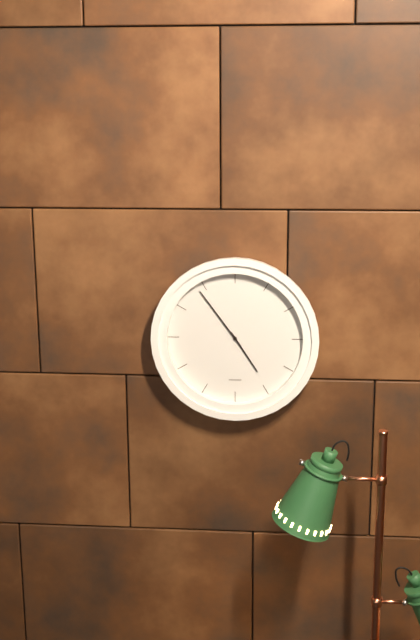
4.54
